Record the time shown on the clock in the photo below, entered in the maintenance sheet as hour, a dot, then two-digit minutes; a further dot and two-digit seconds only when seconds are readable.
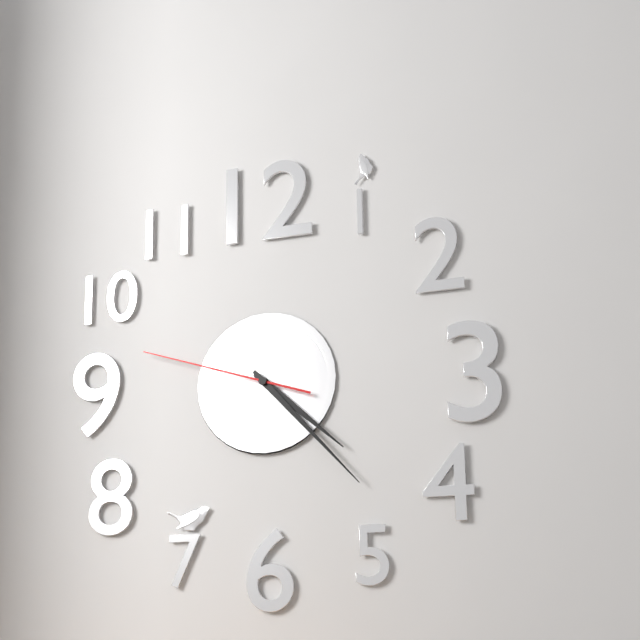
4.23.48
